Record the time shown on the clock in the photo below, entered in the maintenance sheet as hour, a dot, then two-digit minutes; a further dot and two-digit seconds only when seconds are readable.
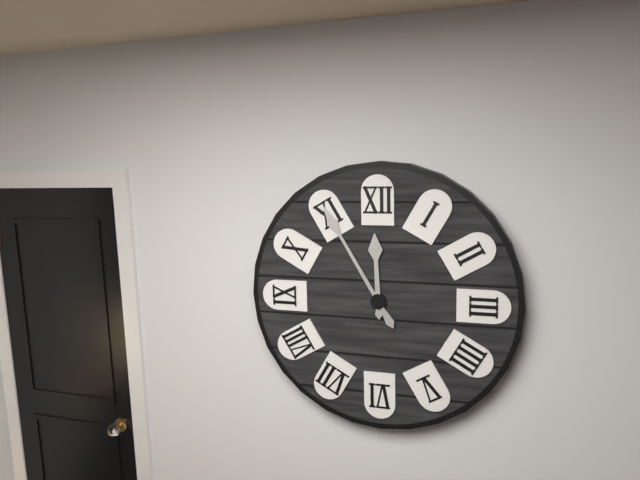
11.55
